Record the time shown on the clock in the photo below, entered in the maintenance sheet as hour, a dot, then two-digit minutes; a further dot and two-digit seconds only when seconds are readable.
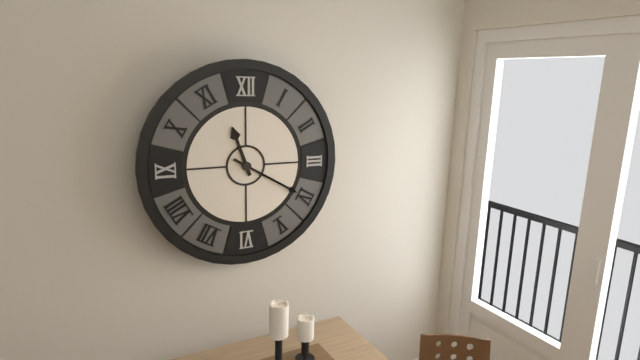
11.20
